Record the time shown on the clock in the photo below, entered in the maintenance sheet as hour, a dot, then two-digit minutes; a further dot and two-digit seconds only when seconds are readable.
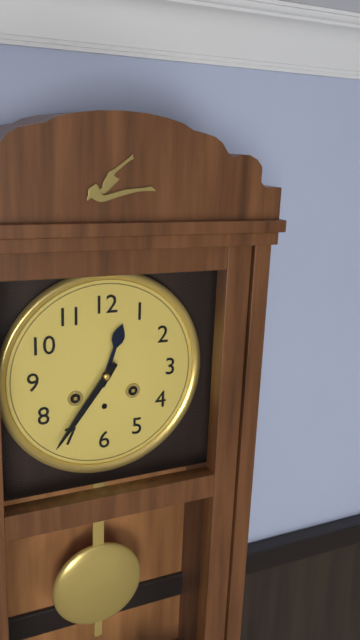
12.36
